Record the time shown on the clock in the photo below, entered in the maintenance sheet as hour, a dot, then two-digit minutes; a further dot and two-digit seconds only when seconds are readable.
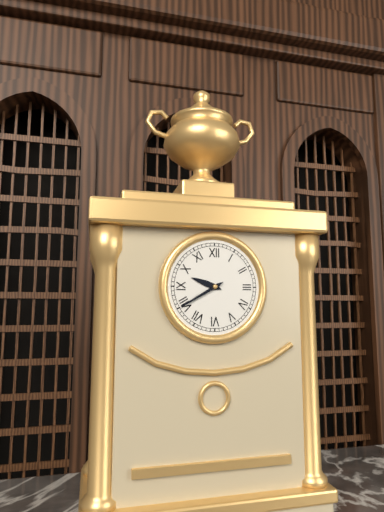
9.40
